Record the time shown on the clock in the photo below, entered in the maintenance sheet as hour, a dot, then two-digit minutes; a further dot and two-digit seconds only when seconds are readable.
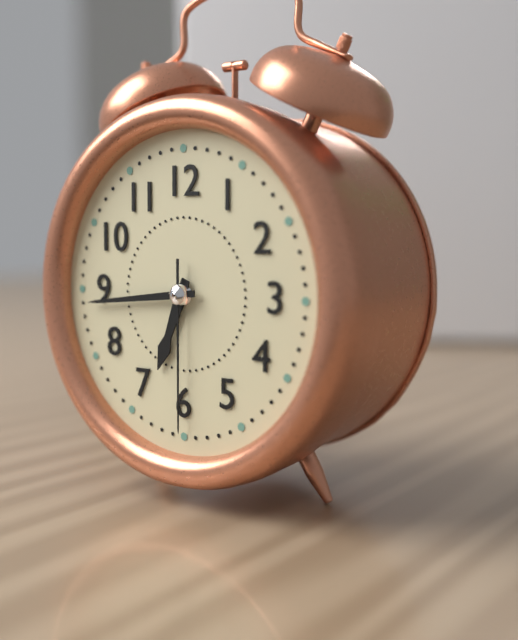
6.44.30
